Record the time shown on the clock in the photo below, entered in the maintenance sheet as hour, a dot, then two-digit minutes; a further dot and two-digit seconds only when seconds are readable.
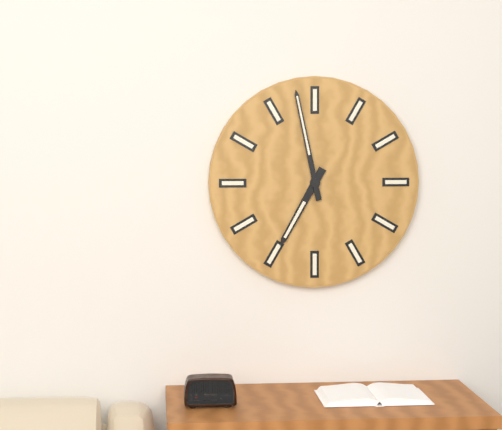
6.58
